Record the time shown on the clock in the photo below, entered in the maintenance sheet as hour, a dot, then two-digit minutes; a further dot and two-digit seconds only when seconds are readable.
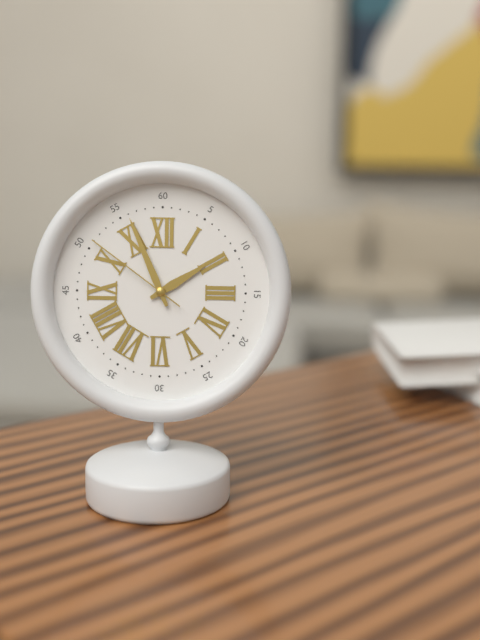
1.56.51
